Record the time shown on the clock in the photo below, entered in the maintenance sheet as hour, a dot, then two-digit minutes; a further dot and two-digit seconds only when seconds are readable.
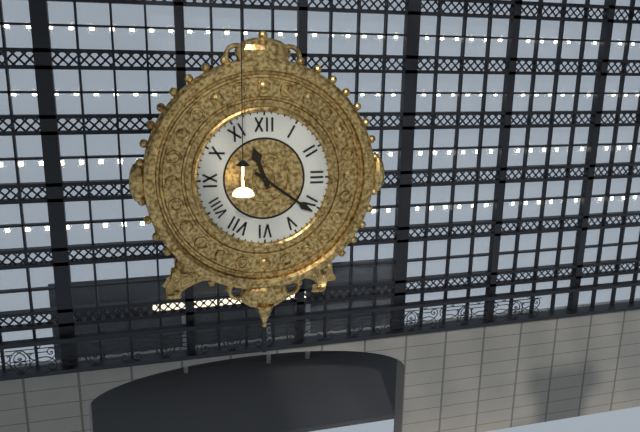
11.21
